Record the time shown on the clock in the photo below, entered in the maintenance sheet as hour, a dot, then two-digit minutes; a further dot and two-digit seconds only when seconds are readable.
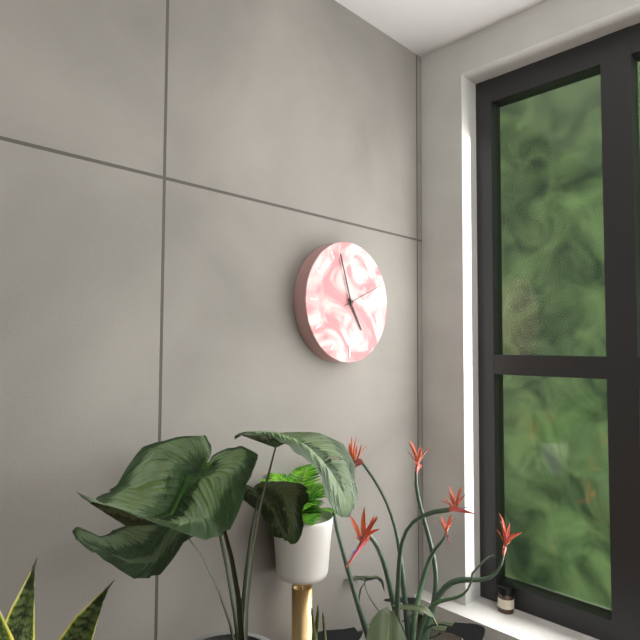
4.57
